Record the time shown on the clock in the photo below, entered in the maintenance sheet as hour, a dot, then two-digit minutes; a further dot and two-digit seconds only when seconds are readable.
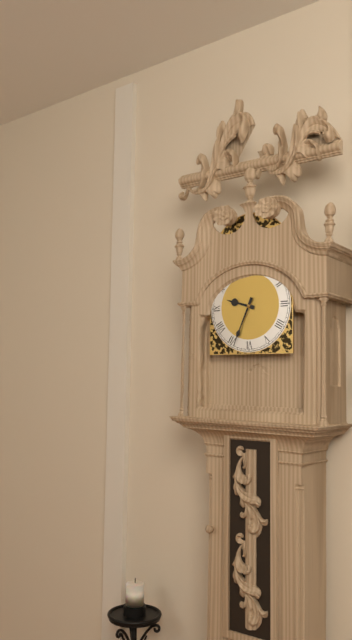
9.34
